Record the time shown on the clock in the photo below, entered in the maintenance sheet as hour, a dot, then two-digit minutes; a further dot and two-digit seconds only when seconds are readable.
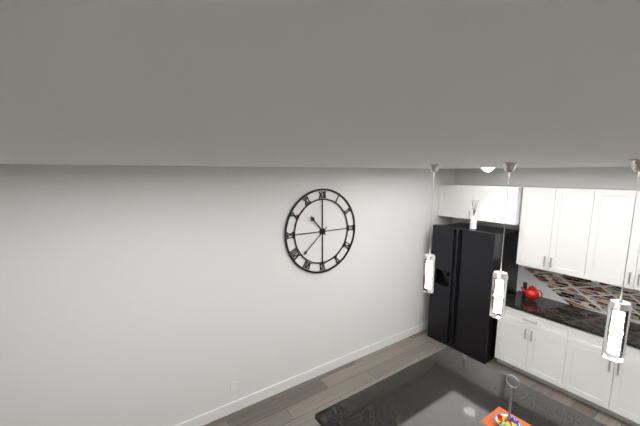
10.38
